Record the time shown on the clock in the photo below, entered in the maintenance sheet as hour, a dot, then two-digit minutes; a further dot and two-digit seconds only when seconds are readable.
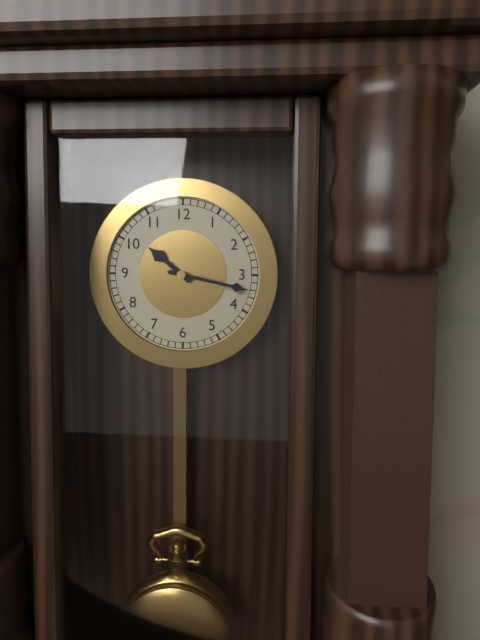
10.17
